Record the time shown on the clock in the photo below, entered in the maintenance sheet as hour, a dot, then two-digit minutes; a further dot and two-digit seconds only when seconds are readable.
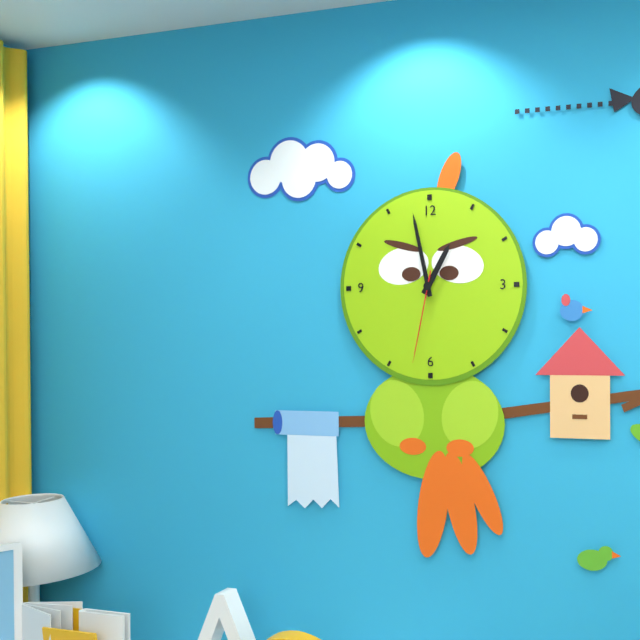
12.58.32
